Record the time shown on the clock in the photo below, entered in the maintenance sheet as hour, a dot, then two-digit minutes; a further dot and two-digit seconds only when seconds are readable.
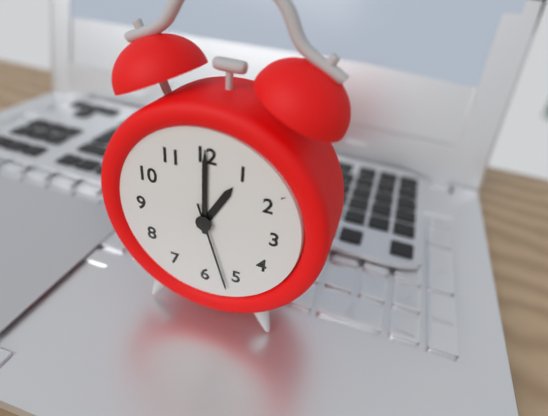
1.00.27
